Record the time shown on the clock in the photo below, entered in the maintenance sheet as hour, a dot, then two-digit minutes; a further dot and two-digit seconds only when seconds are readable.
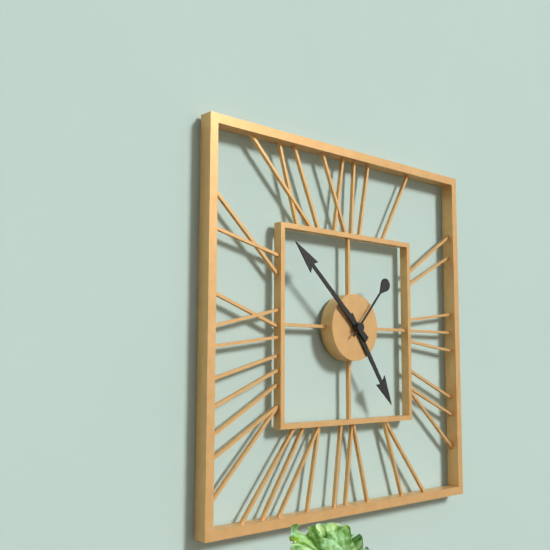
4.52.07
